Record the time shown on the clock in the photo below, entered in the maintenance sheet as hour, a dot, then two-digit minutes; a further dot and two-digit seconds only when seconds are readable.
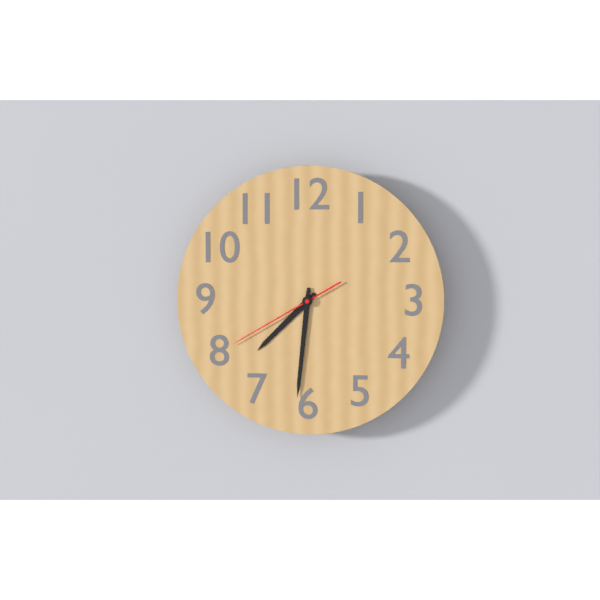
7.31.40
